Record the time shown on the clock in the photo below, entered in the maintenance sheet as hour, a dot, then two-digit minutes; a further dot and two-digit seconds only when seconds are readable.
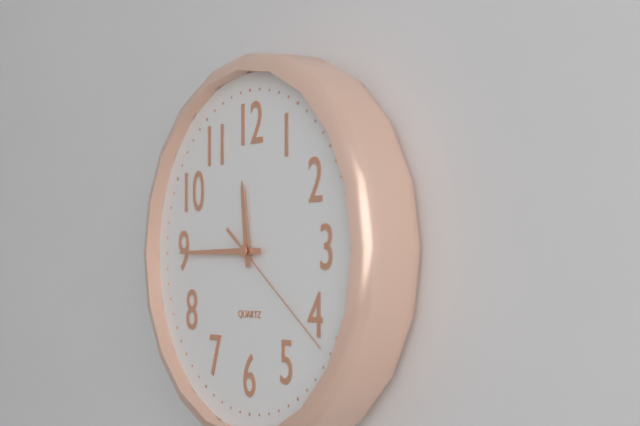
11.45.21
